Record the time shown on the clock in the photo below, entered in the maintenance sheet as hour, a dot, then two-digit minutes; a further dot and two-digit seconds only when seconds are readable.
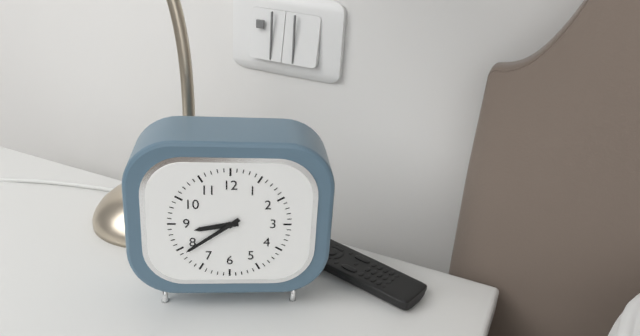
8.39
